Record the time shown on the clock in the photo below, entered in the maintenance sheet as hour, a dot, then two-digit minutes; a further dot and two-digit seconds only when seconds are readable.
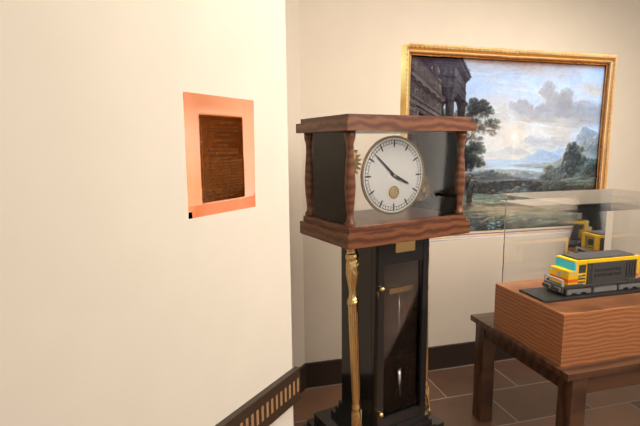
3.52
